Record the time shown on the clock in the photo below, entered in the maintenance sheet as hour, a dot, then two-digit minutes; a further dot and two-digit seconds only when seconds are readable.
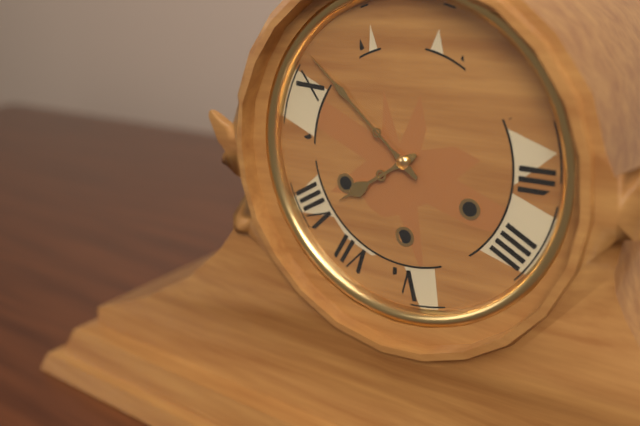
7.52
